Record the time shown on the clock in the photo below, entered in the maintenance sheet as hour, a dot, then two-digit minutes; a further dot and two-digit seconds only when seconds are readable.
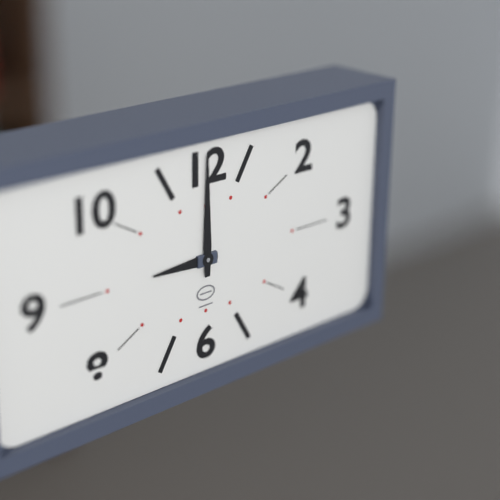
9.00
